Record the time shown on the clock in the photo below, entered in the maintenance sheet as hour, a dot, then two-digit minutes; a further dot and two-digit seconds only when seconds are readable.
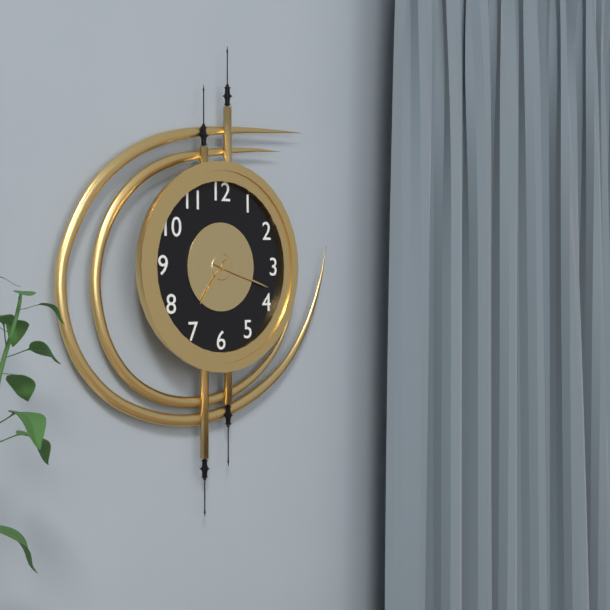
7.18
